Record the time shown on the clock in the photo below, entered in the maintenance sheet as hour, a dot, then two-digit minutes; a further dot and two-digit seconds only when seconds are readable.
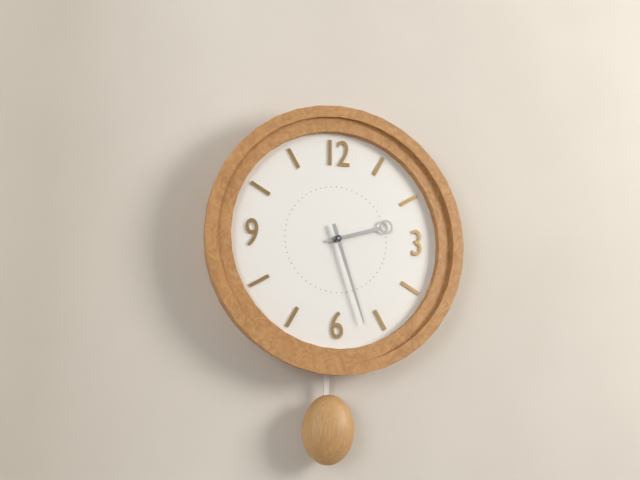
2.27
